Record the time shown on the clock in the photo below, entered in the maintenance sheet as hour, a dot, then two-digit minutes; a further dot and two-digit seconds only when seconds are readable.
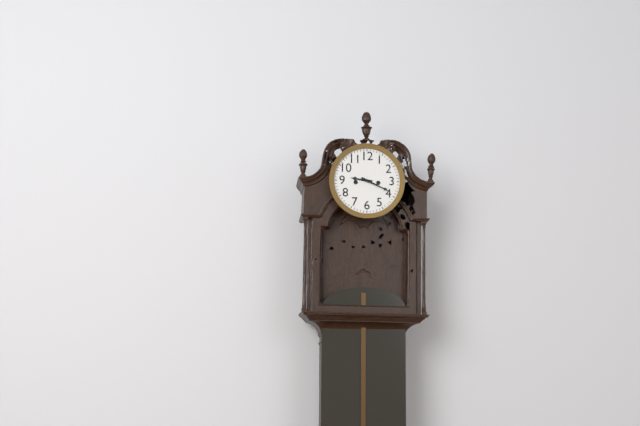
9.19
